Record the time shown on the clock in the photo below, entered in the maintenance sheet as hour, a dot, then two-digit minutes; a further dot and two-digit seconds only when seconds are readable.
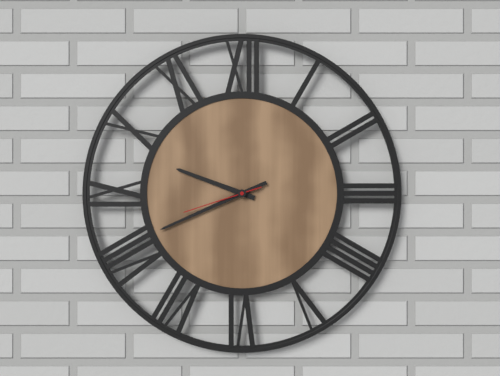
9.41.42
